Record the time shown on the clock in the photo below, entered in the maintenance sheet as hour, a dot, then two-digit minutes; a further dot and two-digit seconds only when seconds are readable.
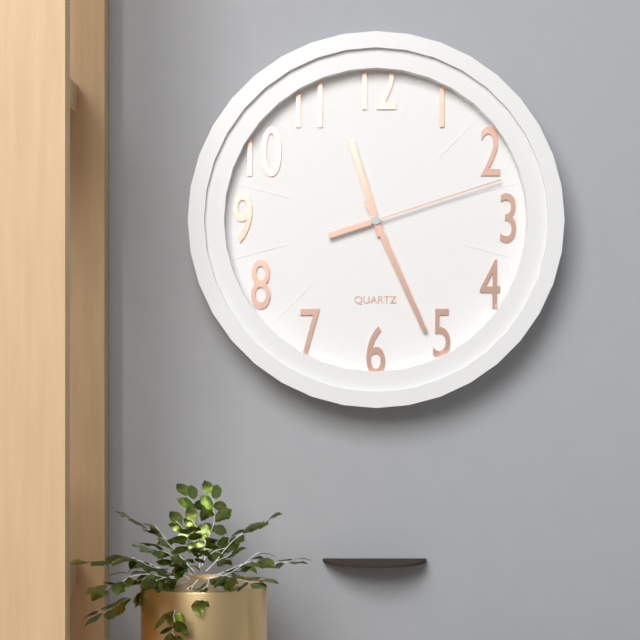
11.26.12
